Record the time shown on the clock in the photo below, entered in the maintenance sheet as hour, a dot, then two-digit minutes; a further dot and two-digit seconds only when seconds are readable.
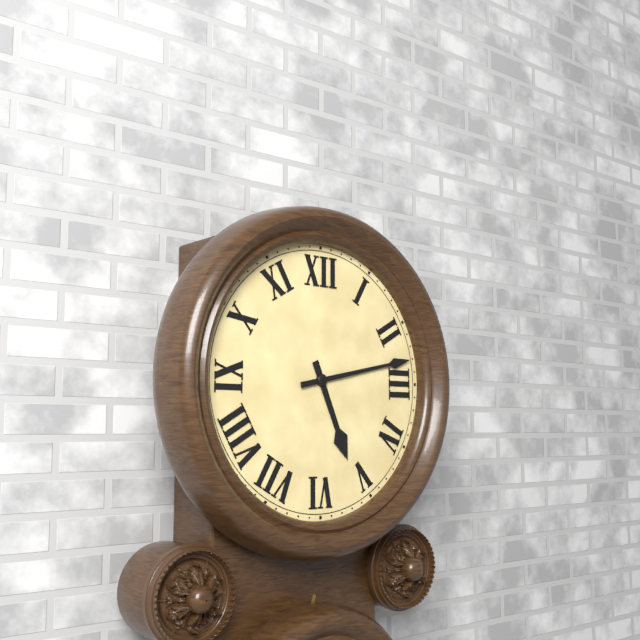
5.13
